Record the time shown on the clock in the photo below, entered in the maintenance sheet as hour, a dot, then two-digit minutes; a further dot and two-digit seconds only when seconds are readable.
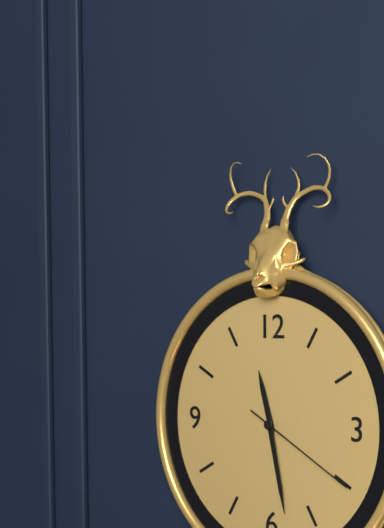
11.28.20
